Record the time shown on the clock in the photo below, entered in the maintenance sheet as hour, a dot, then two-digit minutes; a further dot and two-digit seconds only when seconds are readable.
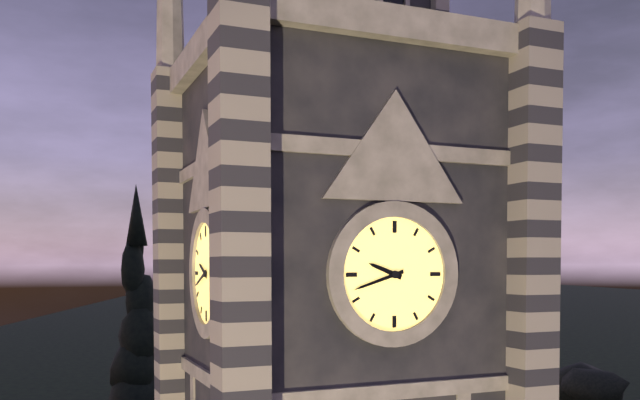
9.42
